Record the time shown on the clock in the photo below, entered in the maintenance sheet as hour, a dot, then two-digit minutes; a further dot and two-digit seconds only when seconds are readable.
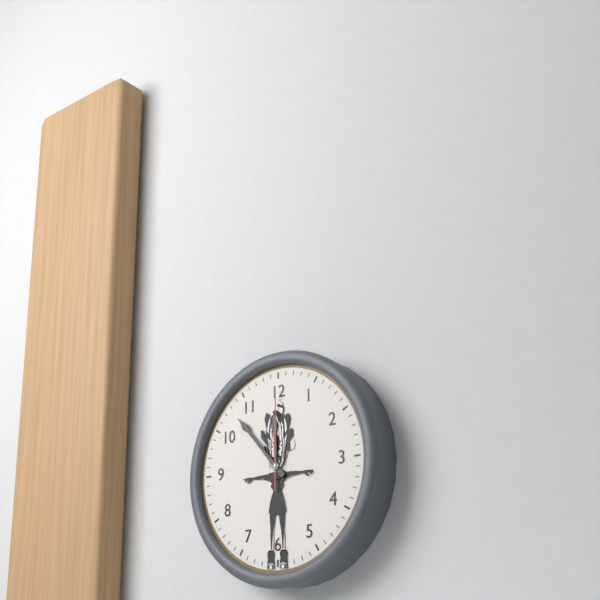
11.53.00
